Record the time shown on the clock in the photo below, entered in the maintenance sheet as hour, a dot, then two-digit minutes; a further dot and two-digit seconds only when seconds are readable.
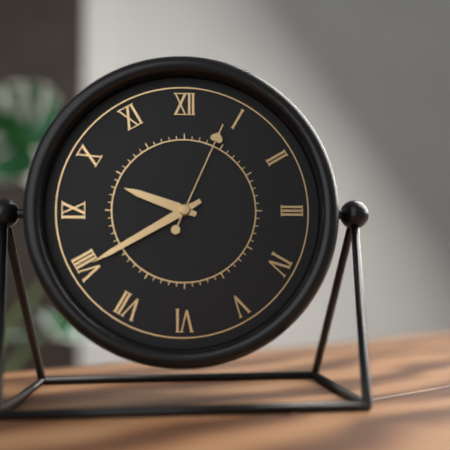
9.40.04
